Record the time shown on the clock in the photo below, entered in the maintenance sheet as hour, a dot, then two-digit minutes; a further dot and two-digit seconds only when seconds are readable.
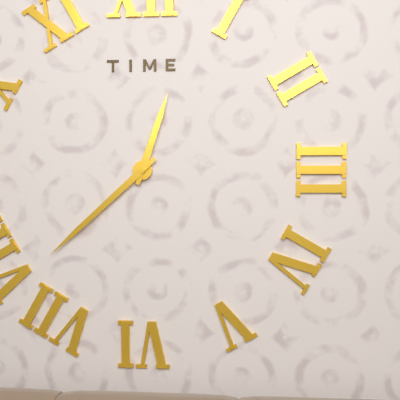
12.38
